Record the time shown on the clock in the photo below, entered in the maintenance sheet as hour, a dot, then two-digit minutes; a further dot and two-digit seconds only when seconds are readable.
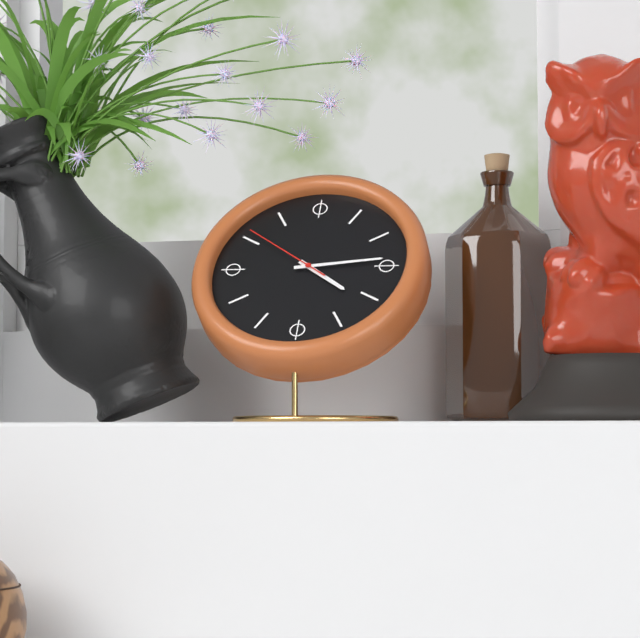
4.14.51
